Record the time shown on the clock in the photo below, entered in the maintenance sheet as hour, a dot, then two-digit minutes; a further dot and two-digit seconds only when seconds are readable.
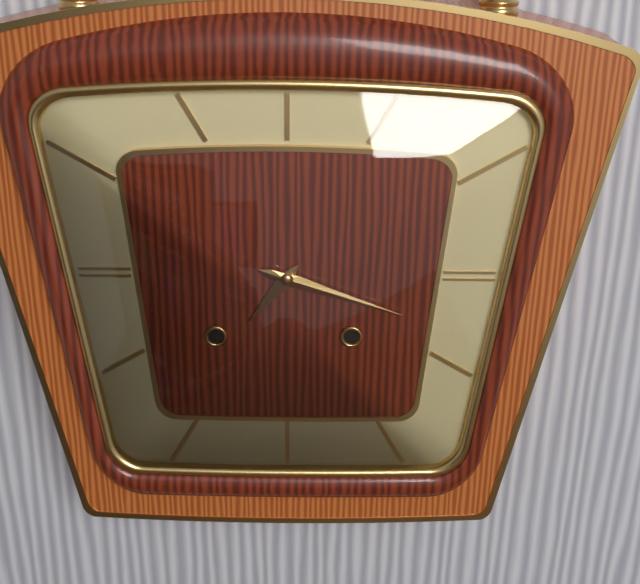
7.18
